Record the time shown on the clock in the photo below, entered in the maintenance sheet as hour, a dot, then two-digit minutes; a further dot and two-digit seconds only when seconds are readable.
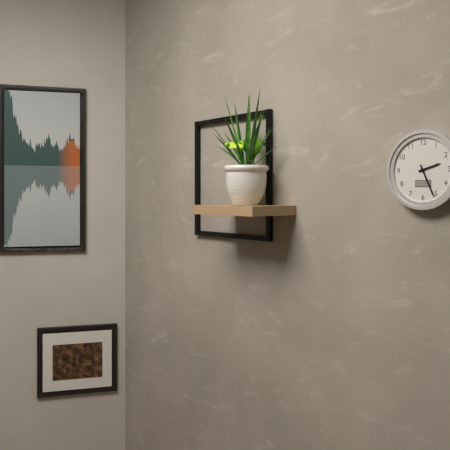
2.26
